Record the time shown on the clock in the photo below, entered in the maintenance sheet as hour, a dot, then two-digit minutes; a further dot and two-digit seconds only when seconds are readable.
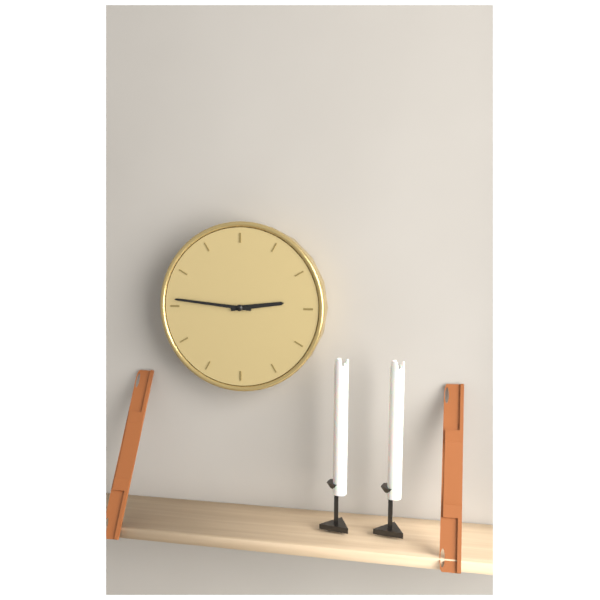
2.46
